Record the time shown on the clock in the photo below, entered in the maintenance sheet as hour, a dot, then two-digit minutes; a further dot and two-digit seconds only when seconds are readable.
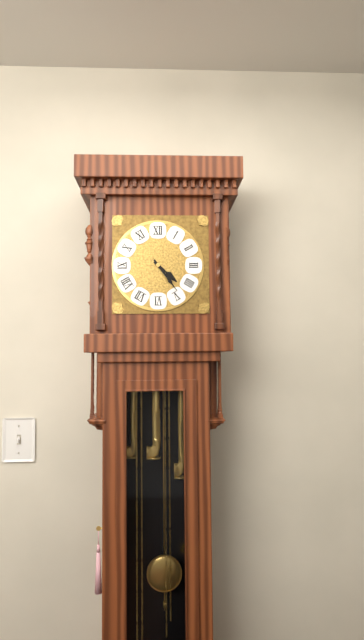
4.24
